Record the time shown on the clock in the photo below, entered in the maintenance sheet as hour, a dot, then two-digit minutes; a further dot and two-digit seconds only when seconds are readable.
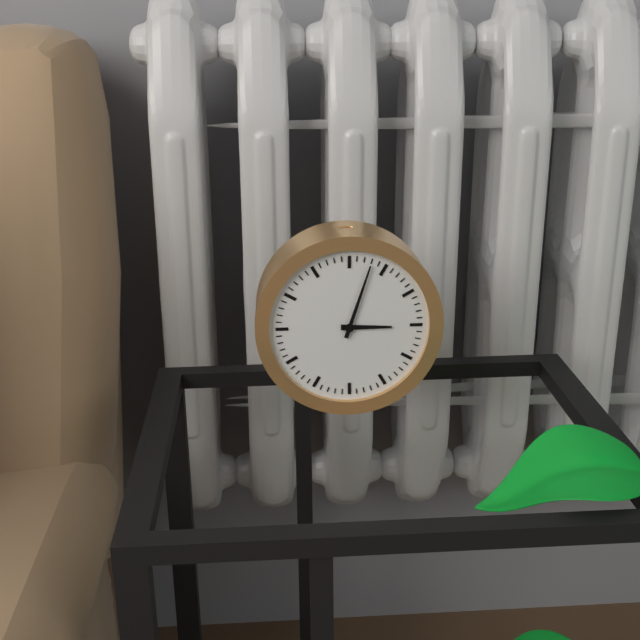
3.03
